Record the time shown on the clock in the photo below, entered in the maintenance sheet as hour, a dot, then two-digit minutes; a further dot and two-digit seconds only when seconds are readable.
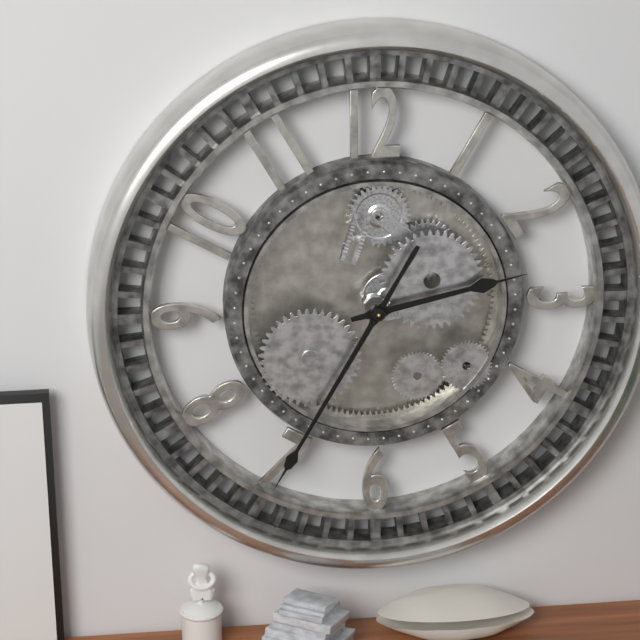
2.35
